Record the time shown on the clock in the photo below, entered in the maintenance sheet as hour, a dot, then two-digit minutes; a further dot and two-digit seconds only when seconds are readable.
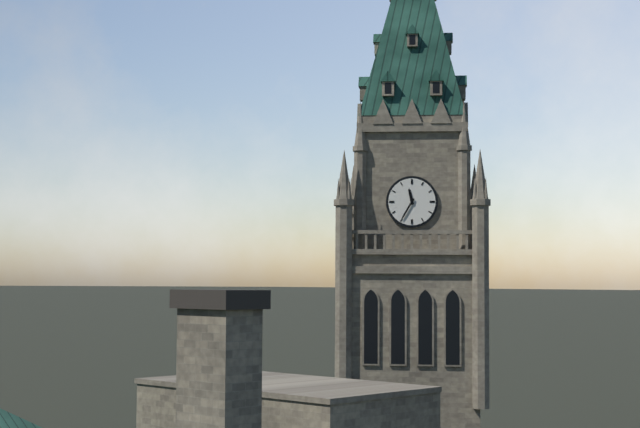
11.35
